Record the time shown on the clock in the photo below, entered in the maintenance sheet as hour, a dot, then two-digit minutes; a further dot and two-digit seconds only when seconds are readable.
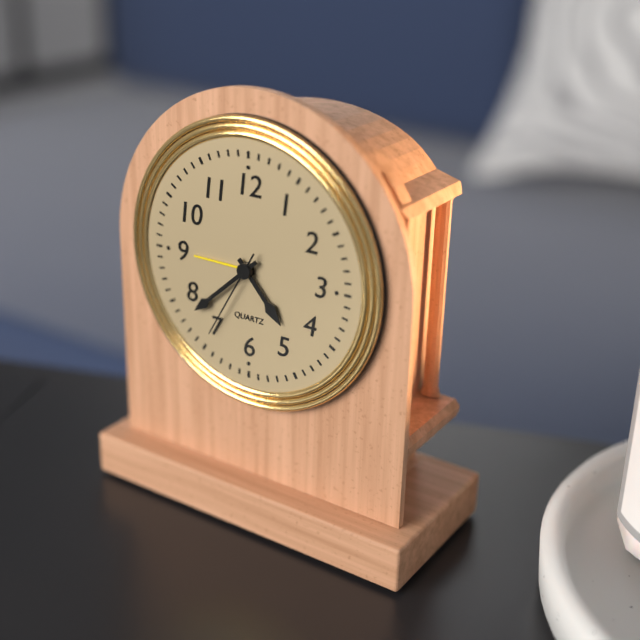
4.38.35
